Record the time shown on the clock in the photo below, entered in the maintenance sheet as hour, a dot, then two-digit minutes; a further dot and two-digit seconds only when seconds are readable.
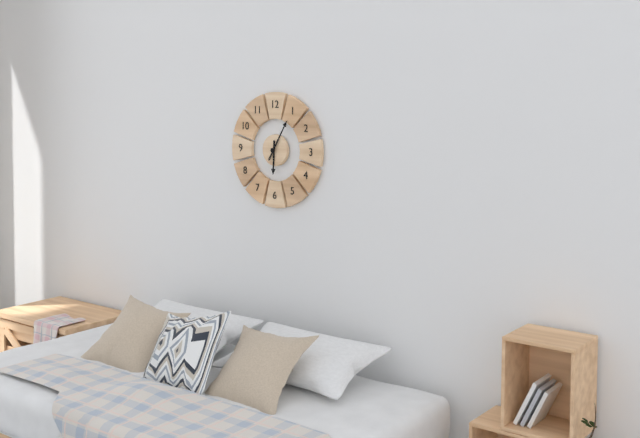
6.05
